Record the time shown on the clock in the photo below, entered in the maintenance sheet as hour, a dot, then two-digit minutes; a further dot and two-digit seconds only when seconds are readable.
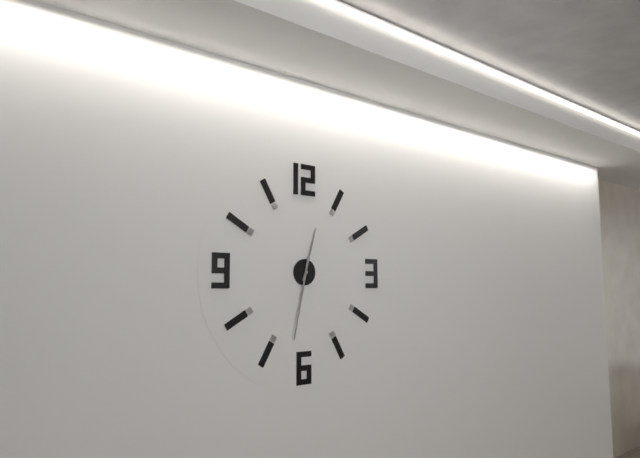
12.32
